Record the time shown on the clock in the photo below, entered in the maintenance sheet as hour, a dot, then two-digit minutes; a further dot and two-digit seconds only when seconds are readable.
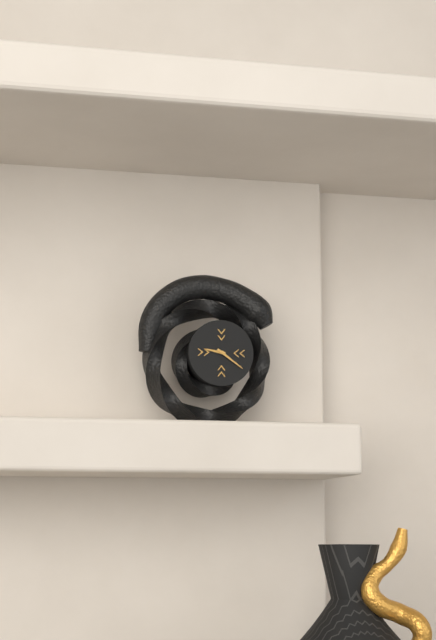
9.21
